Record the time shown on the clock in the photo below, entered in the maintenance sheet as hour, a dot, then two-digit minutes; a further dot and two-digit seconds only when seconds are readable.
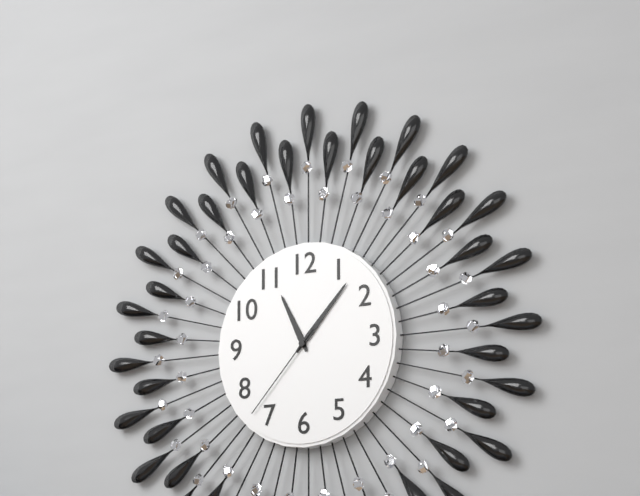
11.07.37
